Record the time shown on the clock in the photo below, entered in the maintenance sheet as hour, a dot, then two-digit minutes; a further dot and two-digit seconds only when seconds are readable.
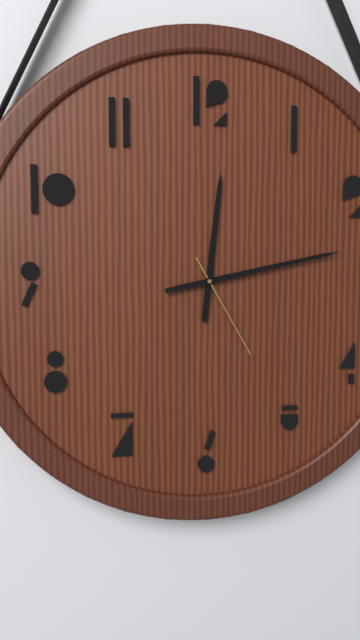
12.13.25
